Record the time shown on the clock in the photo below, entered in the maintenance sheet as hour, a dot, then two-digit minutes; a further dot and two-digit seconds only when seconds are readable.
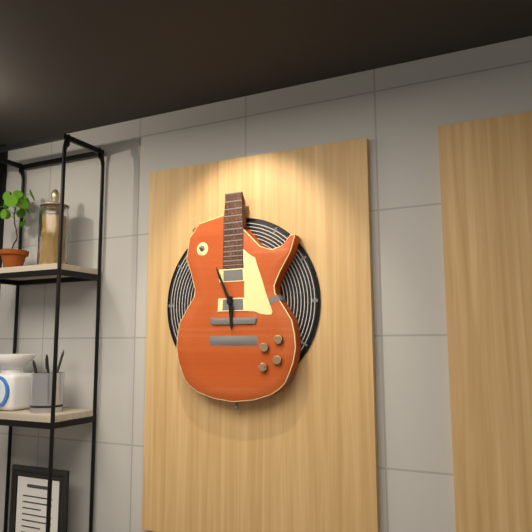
5.56
